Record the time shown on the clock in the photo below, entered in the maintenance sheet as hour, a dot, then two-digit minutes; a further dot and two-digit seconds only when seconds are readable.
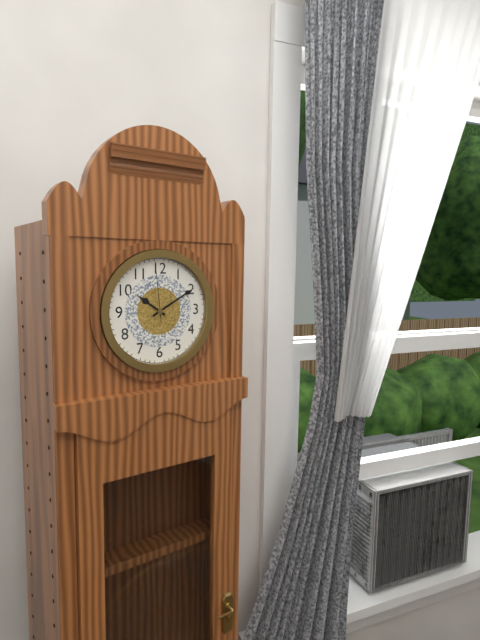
10.10.59
